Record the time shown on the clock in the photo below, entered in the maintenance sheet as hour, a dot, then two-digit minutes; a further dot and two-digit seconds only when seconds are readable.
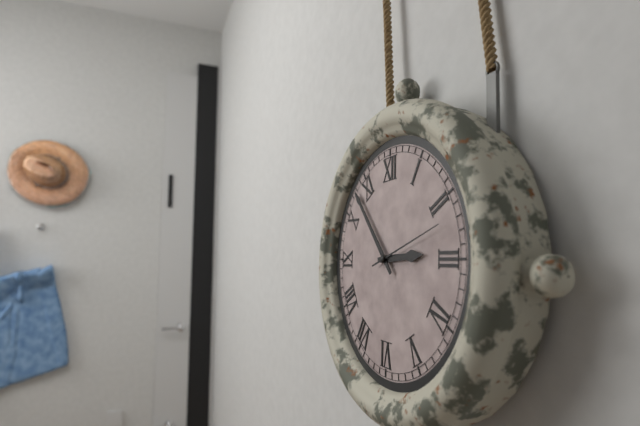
2.53.12
